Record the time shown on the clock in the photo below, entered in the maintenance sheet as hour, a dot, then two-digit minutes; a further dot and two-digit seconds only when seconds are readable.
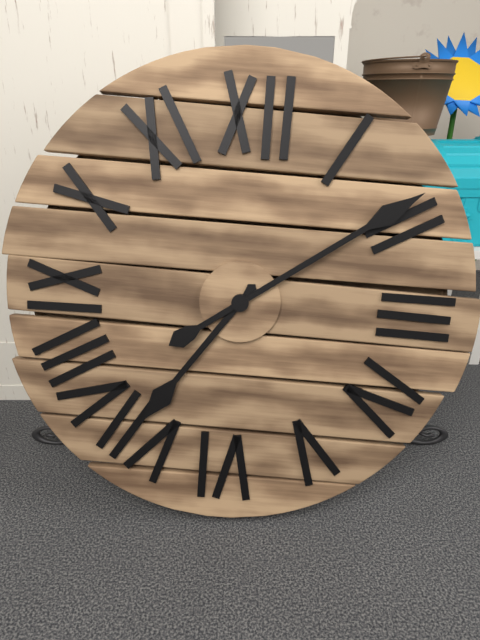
7.09
